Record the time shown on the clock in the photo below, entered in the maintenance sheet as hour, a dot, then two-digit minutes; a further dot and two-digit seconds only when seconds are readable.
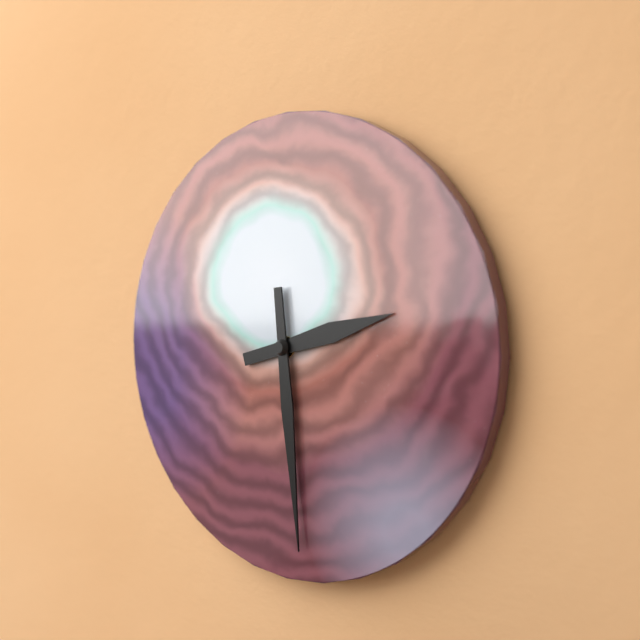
2.29
